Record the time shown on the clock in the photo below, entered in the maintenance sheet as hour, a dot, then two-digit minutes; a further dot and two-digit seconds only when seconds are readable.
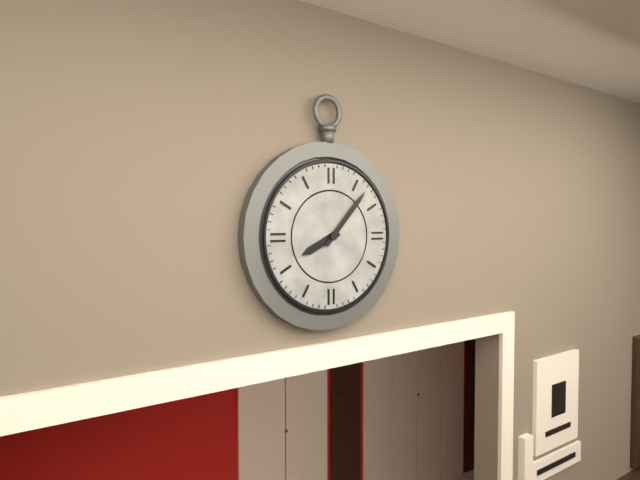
8.07
